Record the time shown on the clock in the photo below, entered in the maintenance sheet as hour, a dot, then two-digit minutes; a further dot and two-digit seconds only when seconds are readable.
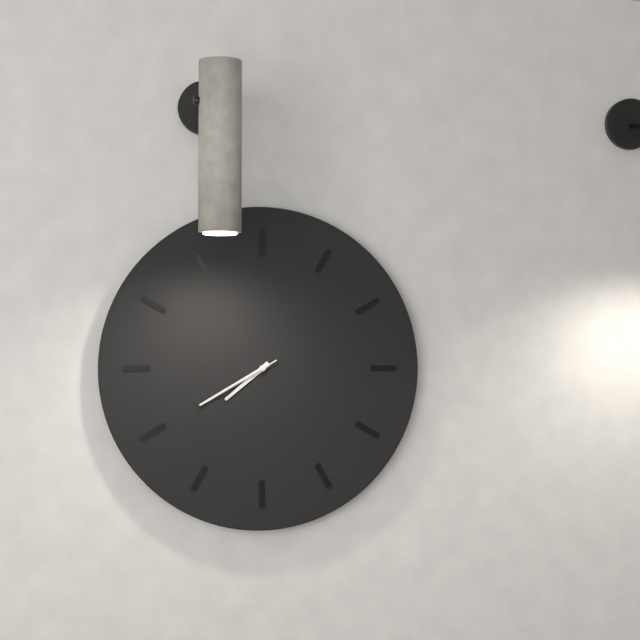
7.40.40
